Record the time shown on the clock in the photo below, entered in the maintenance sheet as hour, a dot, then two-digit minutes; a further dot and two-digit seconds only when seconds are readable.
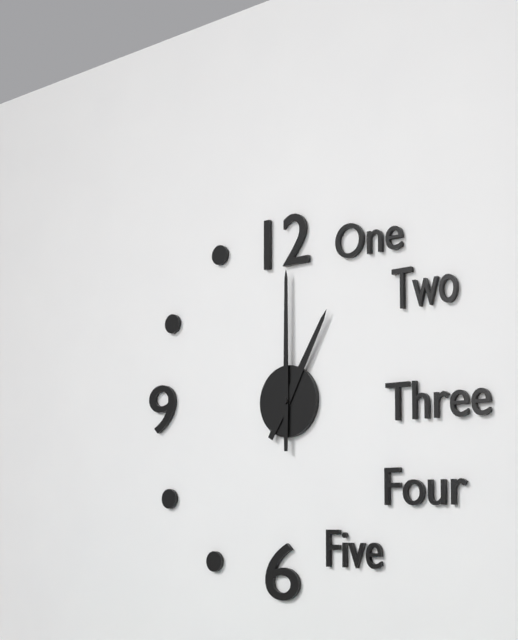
1.00
